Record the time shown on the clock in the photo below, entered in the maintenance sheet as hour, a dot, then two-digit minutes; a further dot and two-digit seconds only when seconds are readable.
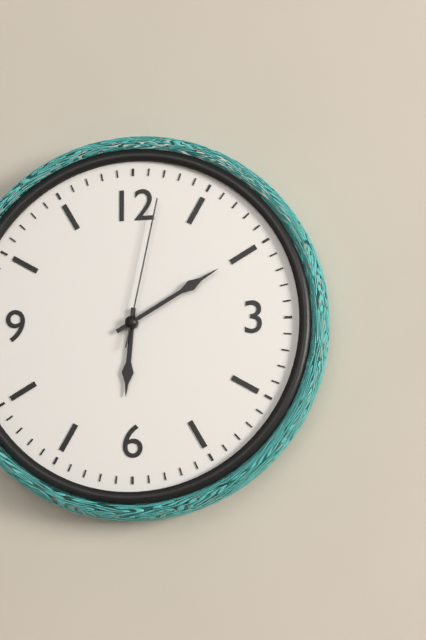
6.10.02
